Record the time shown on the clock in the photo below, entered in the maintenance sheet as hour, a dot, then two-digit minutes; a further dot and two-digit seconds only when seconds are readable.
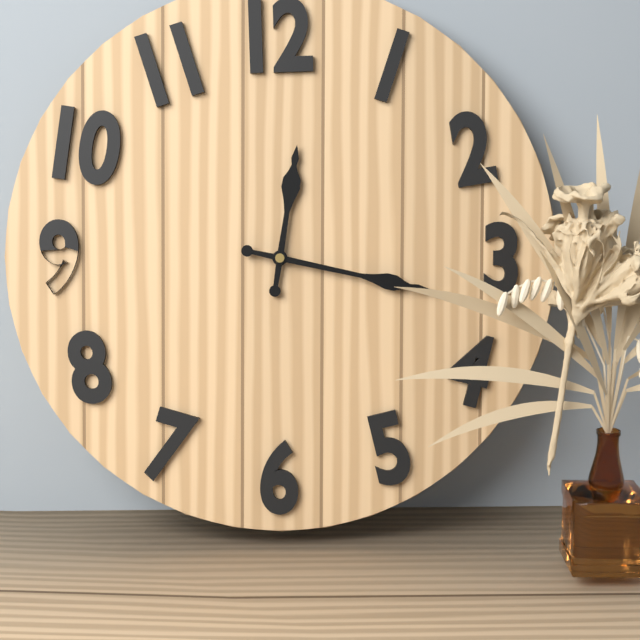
12.17
